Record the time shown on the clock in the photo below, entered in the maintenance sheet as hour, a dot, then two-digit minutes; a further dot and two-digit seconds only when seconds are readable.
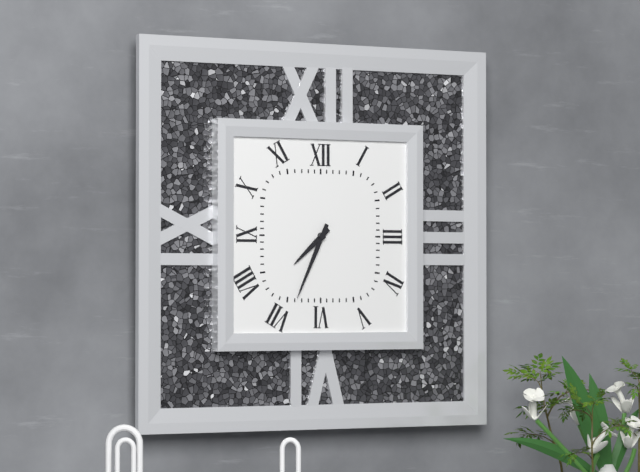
7.34
